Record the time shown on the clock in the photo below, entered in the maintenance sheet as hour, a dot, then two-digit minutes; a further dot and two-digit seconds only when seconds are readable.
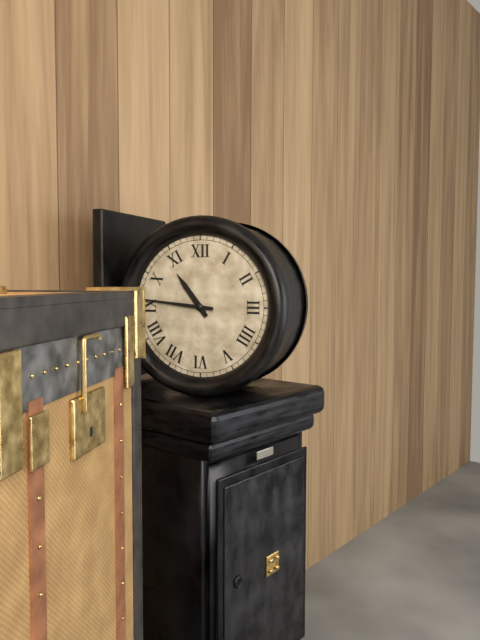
10.46
